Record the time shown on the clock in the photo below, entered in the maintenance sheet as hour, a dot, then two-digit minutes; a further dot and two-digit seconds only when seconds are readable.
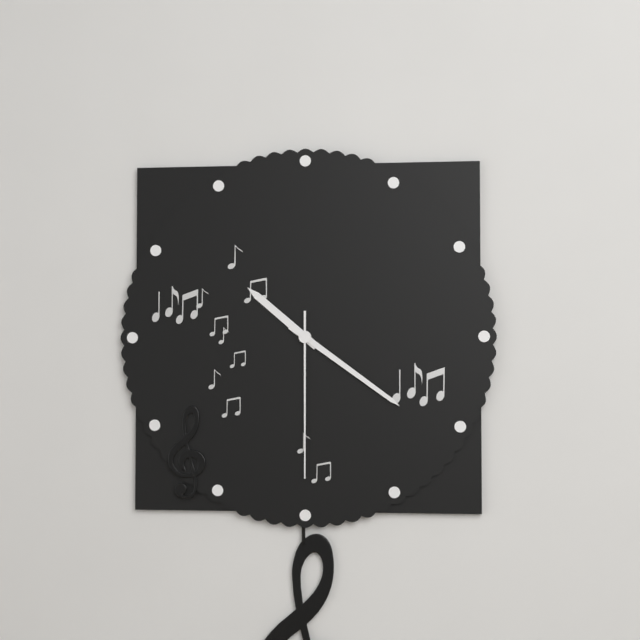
10.21.30
